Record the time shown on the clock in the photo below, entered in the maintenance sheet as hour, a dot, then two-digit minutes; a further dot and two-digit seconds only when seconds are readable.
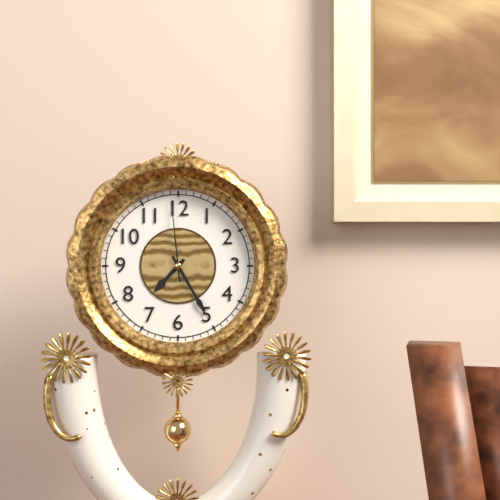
7.25.59
